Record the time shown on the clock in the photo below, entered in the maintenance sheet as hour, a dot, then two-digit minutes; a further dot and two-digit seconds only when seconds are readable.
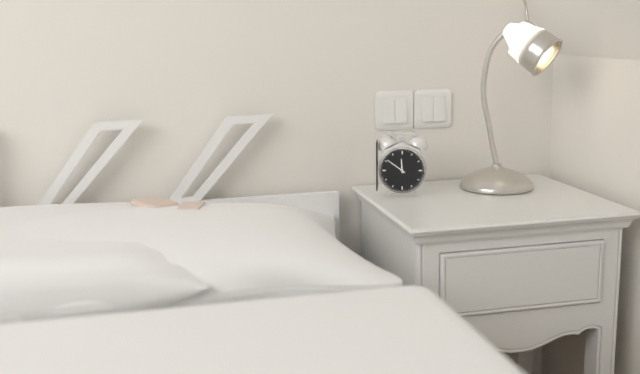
11.51
